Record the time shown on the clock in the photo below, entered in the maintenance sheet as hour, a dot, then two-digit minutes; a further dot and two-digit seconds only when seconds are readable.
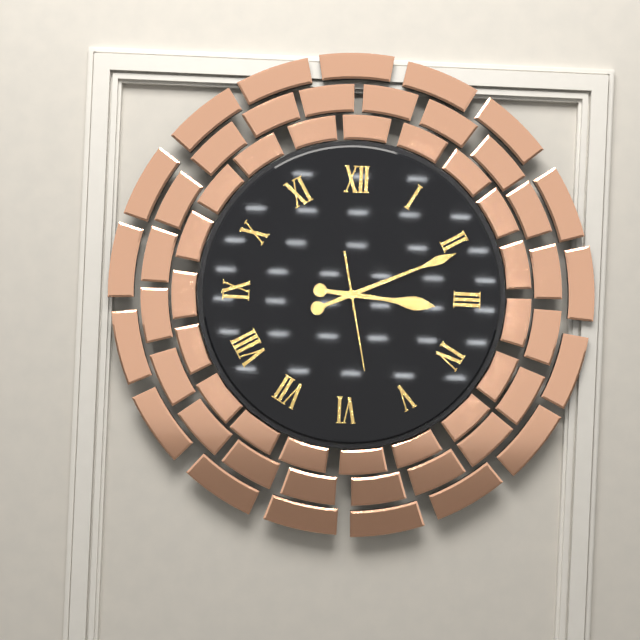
3.11.28
